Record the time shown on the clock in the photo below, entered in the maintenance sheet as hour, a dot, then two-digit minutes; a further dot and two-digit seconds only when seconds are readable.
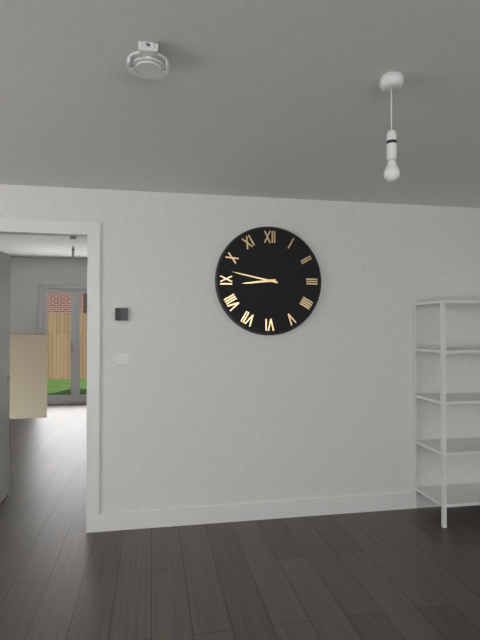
8.47
